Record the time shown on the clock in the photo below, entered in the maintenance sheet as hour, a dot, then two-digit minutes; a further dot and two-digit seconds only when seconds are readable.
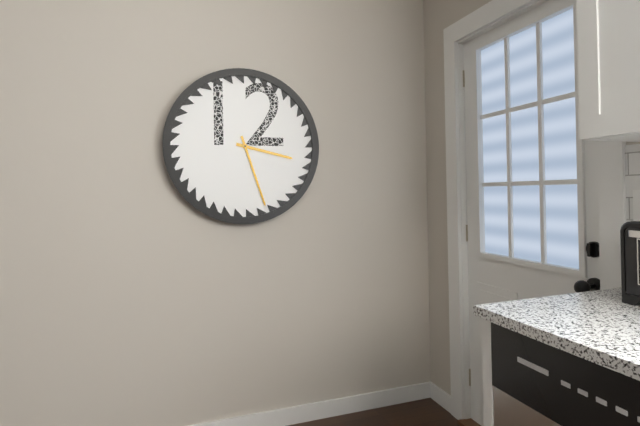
3.27
